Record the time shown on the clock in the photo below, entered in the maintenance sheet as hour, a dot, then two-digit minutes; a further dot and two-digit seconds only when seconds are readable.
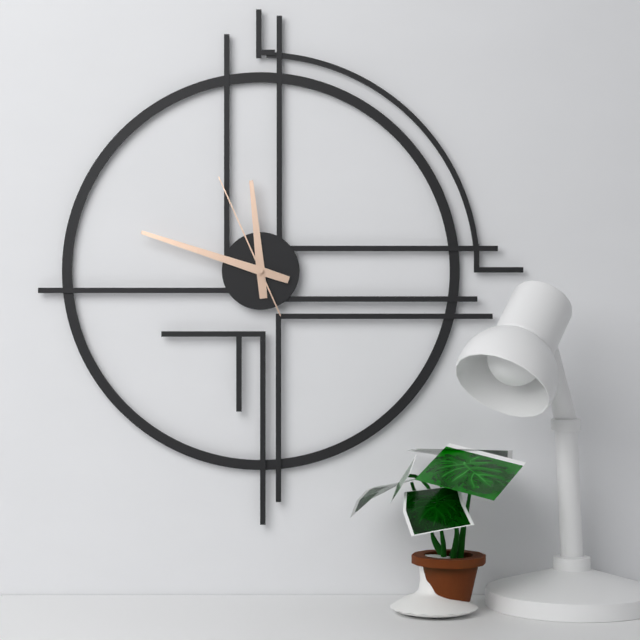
11.48.56
